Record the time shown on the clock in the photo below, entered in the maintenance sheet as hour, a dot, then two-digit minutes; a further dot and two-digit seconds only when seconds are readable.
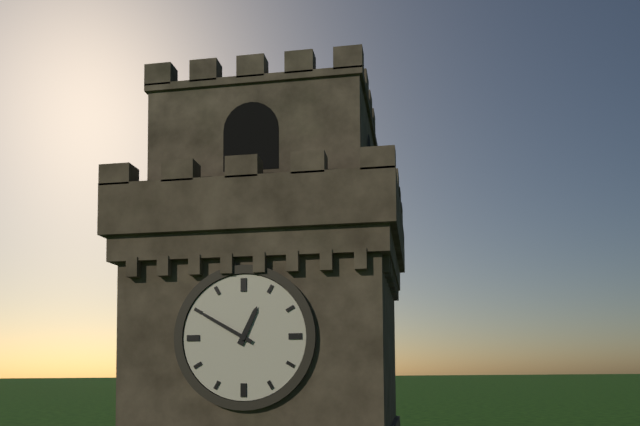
12.50
